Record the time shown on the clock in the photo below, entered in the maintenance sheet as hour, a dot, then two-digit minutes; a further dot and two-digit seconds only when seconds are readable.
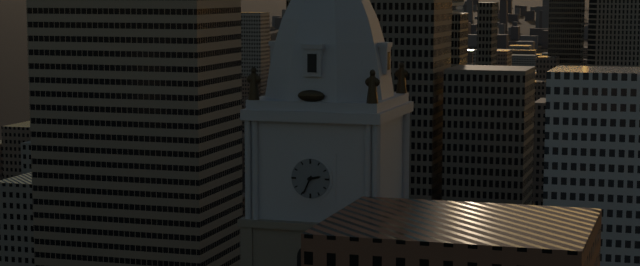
2.34
